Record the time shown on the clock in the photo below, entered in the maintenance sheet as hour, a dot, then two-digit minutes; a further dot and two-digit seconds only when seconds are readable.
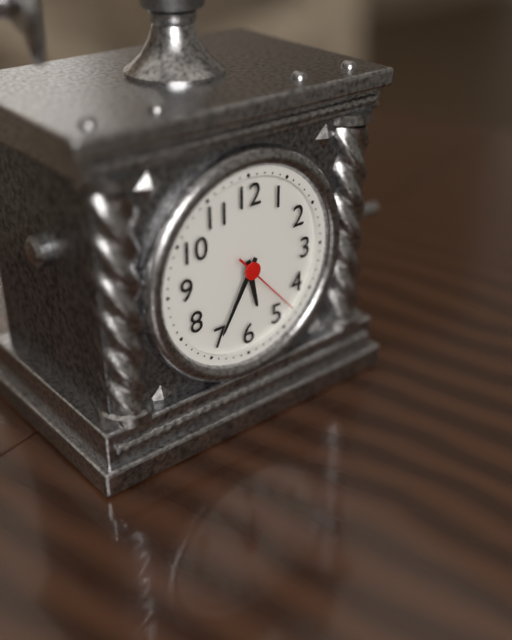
5.35.23
